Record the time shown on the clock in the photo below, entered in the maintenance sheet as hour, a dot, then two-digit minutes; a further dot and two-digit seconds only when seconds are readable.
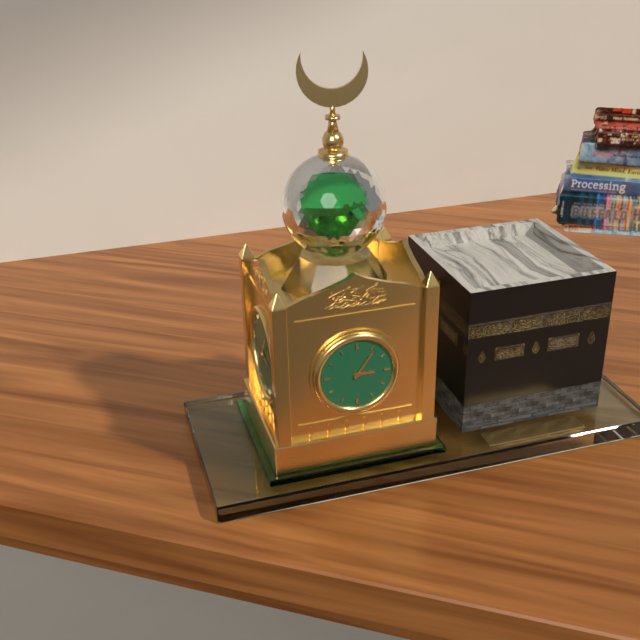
3.06
